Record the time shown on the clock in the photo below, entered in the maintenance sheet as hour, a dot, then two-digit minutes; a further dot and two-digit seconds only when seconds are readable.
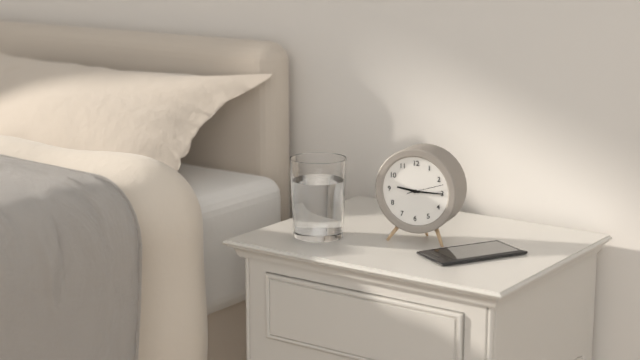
9.15
